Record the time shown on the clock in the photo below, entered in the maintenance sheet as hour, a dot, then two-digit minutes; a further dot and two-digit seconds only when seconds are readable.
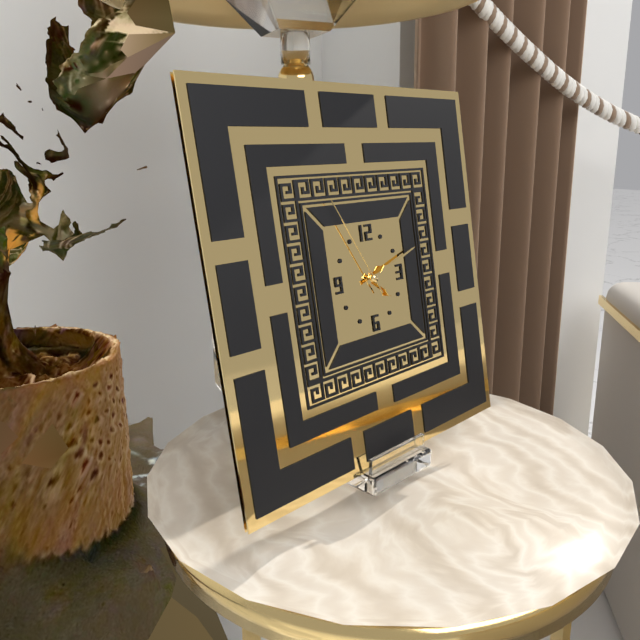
4.12.55
